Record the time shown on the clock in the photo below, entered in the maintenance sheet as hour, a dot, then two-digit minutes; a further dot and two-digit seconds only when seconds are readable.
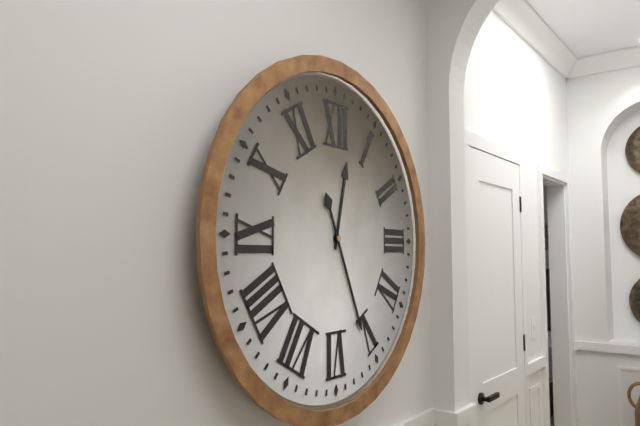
12.26
